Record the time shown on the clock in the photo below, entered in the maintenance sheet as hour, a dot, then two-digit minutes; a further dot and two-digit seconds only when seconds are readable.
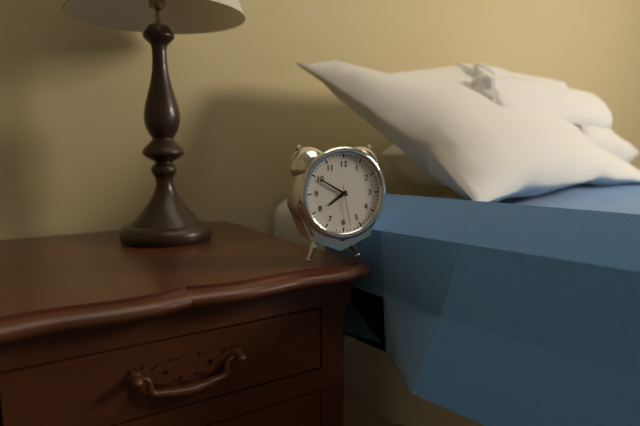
7.50
